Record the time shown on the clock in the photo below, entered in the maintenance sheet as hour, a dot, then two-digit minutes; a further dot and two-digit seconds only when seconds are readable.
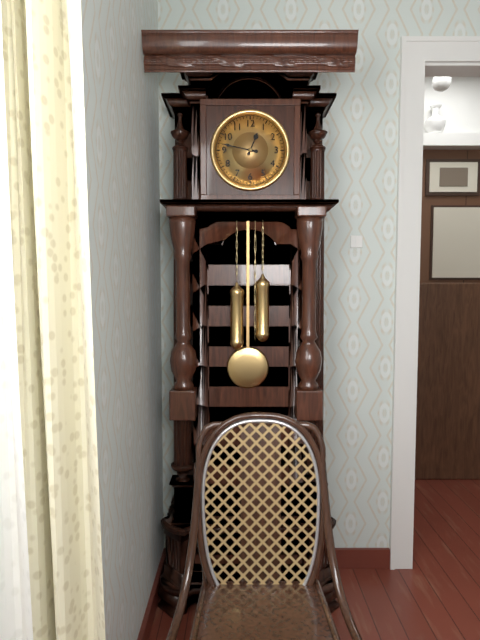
12.47
